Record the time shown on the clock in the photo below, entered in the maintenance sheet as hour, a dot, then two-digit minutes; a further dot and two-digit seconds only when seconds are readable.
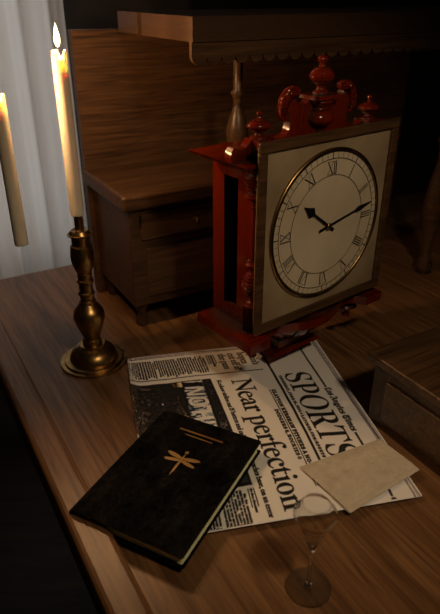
10.13
